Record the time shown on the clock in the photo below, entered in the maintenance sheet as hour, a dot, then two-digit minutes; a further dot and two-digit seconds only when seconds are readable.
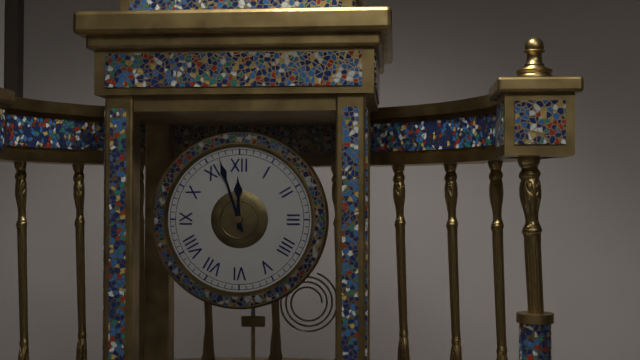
11.57
